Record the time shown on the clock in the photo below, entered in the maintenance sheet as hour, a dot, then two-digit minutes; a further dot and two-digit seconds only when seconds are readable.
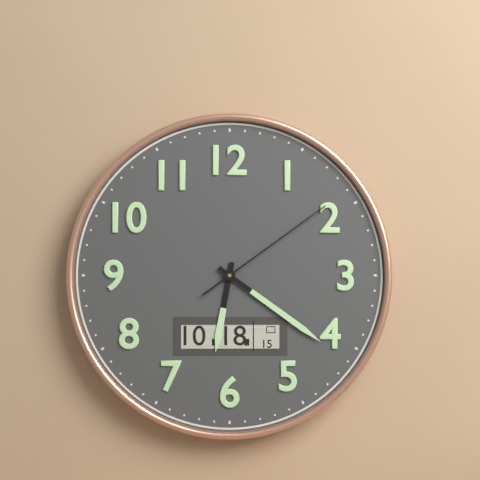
6.21.09
